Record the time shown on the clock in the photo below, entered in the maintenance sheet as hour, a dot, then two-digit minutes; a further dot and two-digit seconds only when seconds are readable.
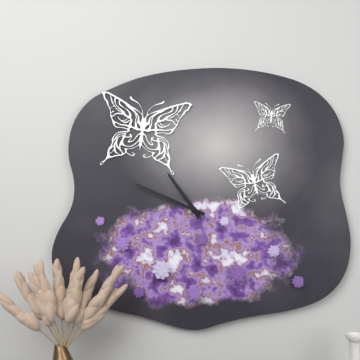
10.49
